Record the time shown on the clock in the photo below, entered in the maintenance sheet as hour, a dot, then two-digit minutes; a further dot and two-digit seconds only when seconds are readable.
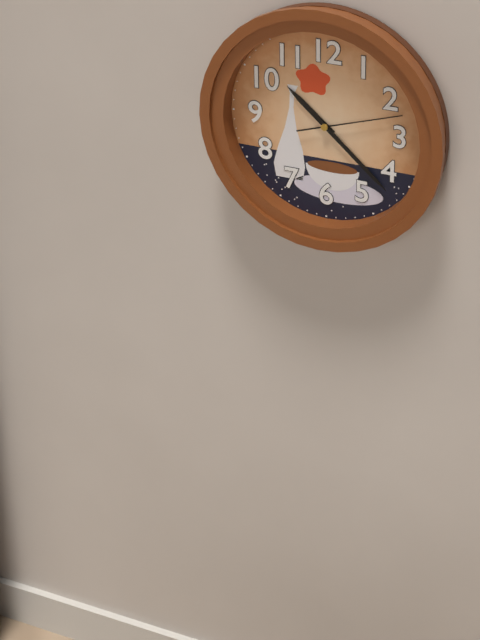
10.22.12
